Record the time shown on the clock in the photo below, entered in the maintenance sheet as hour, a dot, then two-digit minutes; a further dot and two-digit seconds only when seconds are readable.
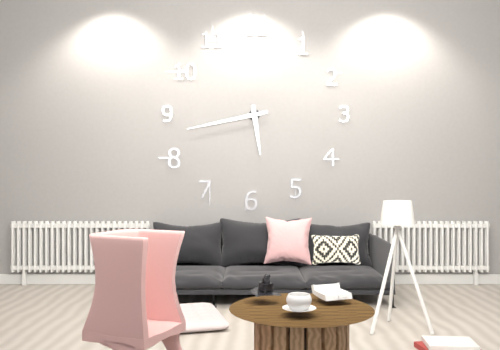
5.43
